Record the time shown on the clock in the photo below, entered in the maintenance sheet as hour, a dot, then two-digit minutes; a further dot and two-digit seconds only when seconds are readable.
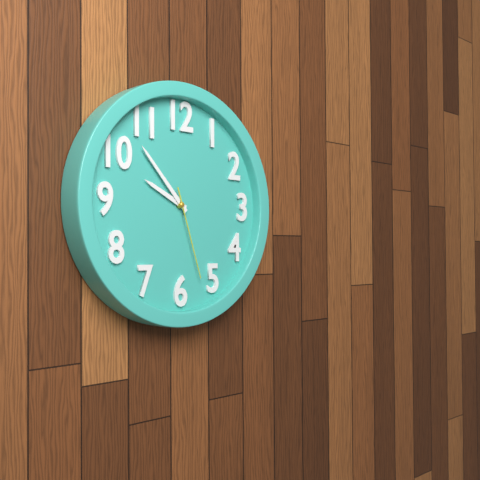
9.53.27
